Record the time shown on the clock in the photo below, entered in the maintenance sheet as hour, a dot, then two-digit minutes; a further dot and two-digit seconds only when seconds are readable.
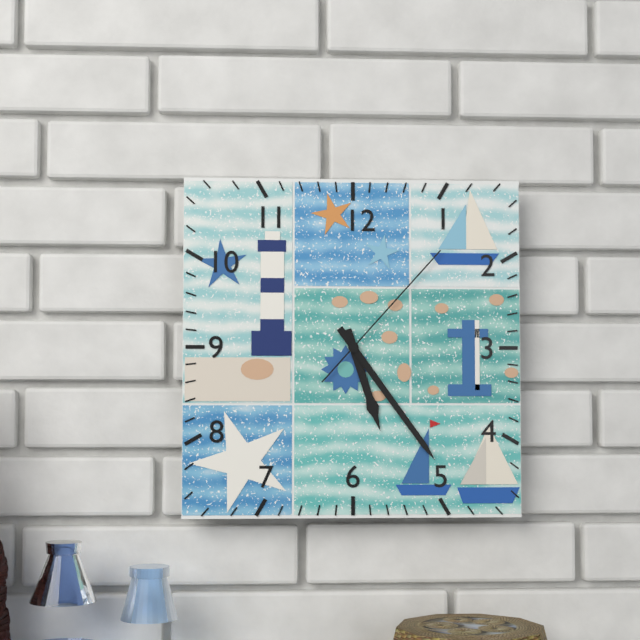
5.24.07
